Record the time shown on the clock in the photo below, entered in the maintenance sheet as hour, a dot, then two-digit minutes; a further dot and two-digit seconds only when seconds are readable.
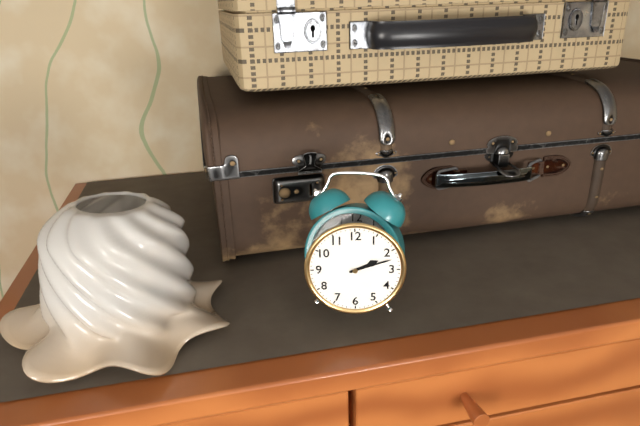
2.12
